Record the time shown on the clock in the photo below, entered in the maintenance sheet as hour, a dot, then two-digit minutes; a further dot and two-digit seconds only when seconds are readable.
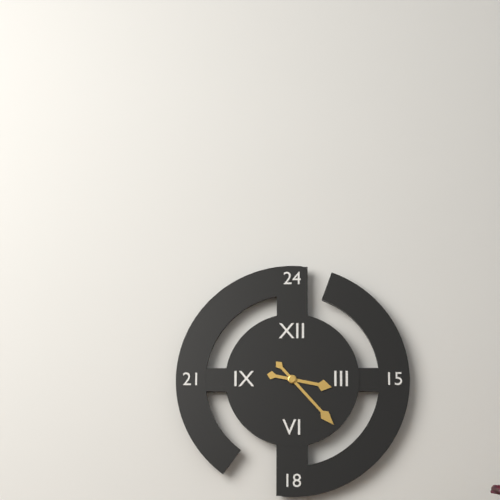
3.23
